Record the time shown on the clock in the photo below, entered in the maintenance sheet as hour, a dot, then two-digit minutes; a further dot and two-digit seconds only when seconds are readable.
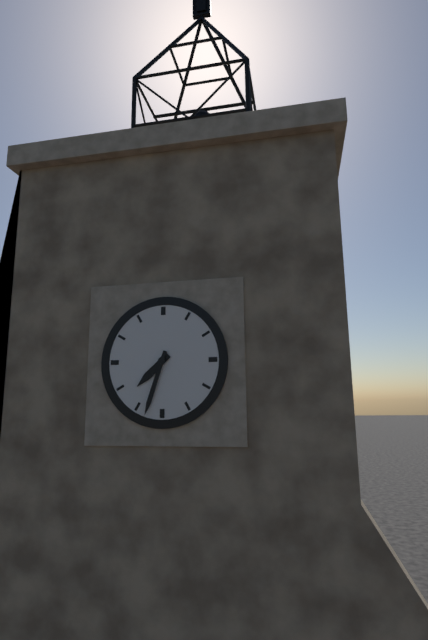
7.33
